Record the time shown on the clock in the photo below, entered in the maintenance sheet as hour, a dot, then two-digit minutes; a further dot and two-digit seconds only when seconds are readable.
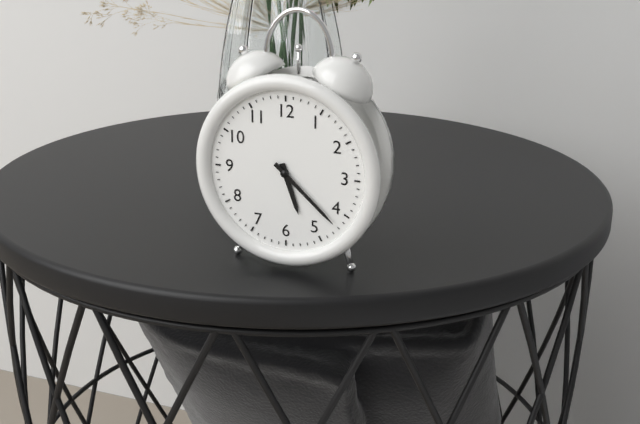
5.22
